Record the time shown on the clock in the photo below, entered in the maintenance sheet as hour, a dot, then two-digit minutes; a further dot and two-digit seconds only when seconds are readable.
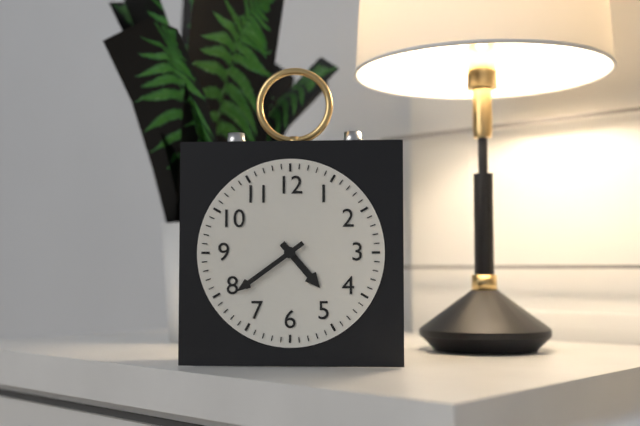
4.39
